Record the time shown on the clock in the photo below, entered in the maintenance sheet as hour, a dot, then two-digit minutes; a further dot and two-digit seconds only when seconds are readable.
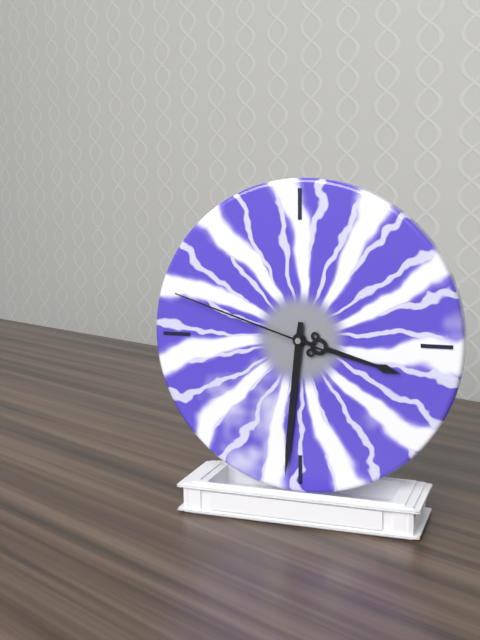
3.31.48
